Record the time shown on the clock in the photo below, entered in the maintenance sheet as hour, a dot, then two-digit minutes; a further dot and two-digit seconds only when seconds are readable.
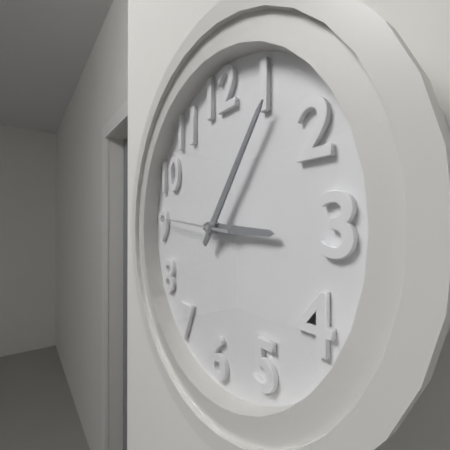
3.06.46
